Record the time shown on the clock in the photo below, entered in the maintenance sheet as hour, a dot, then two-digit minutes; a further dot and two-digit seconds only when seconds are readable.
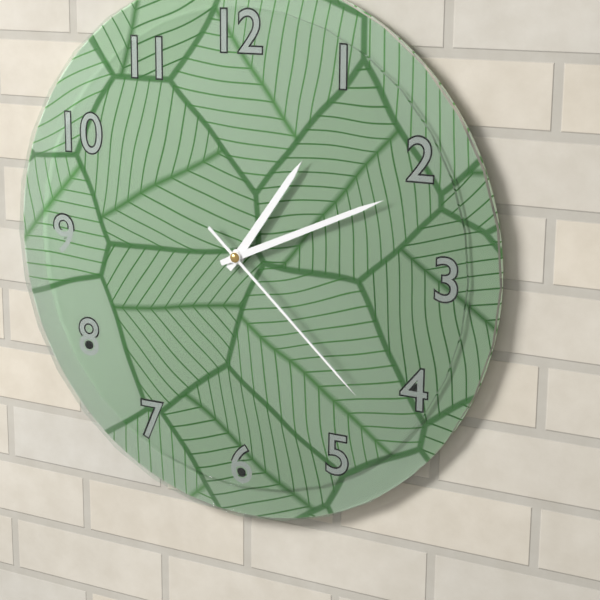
1.11.22
